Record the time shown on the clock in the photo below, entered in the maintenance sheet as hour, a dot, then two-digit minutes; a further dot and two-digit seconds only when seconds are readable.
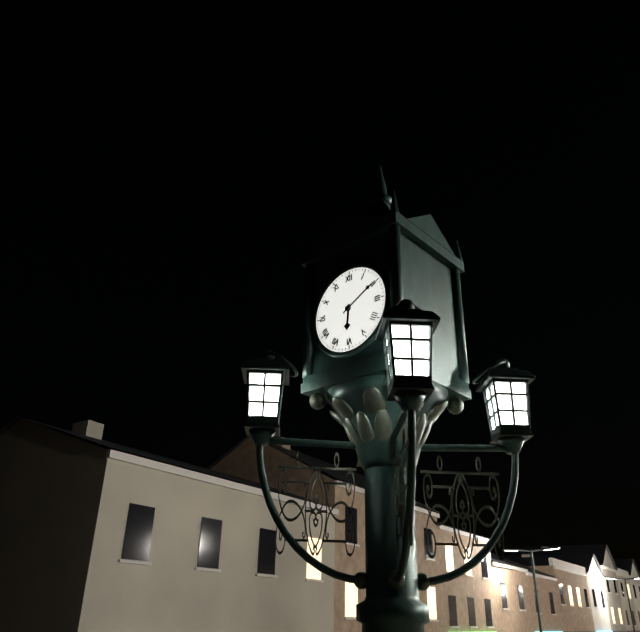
6.10
